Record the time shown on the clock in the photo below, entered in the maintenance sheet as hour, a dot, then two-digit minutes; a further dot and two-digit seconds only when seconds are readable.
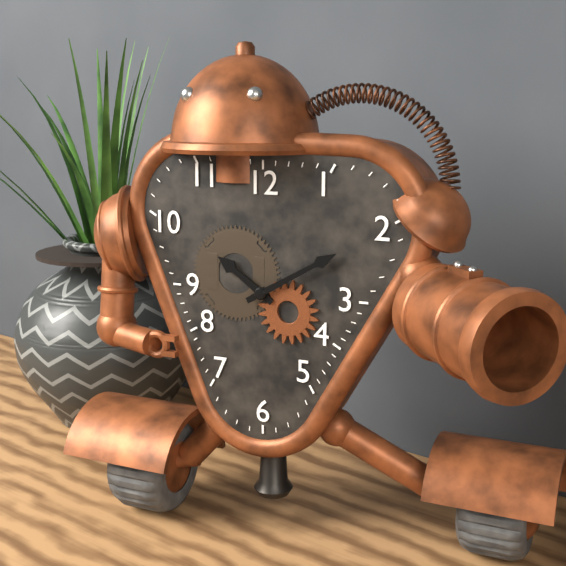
10.10
